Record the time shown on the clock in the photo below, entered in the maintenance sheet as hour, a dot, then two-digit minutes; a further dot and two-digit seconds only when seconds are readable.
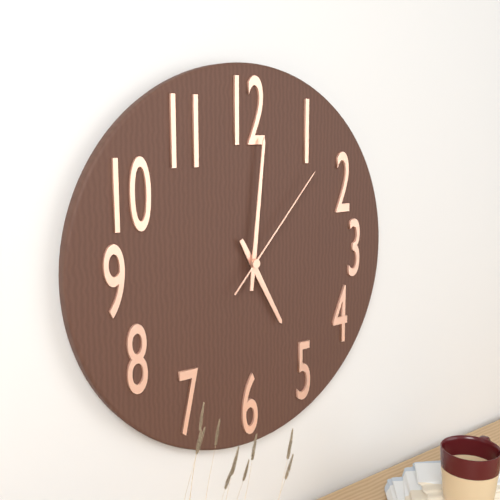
5.01.07
